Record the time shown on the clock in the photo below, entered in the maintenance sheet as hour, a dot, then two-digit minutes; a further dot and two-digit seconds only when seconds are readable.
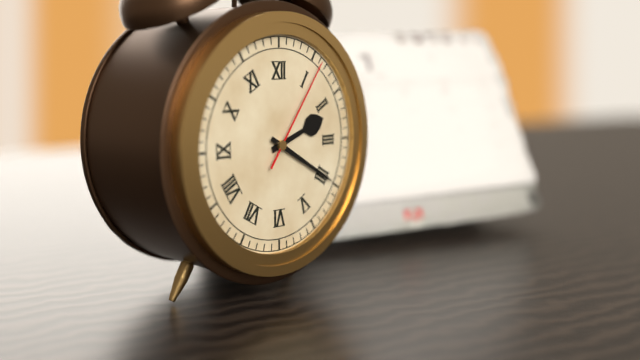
2.20.06
